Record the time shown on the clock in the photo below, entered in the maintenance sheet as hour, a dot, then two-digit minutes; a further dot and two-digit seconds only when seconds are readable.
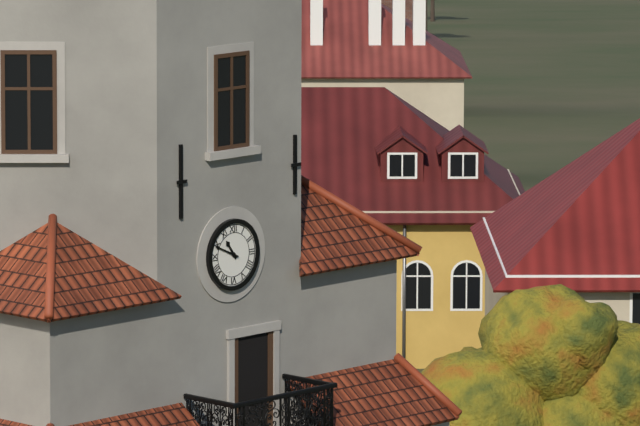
10.49
